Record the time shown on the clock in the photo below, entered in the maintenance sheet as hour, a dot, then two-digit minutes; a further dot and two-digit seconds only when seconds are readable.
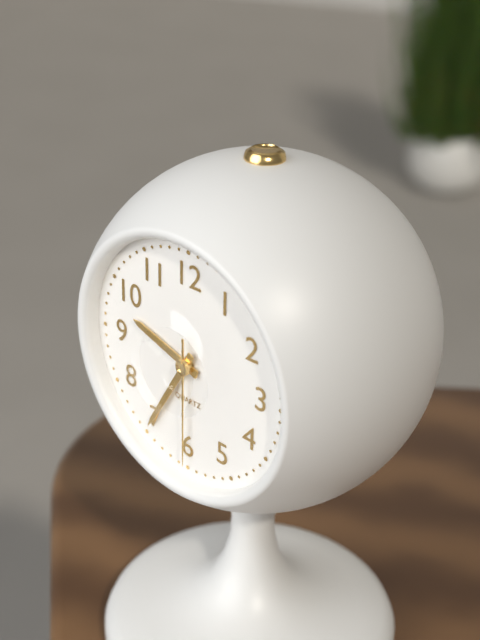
9.35.30
